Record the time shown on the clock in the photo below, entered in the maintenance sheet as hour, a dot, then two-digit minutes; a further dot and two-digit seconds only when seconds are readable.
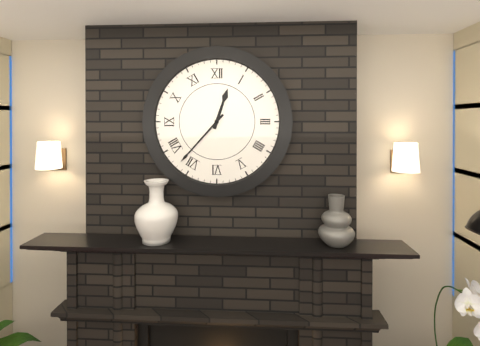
12.37
